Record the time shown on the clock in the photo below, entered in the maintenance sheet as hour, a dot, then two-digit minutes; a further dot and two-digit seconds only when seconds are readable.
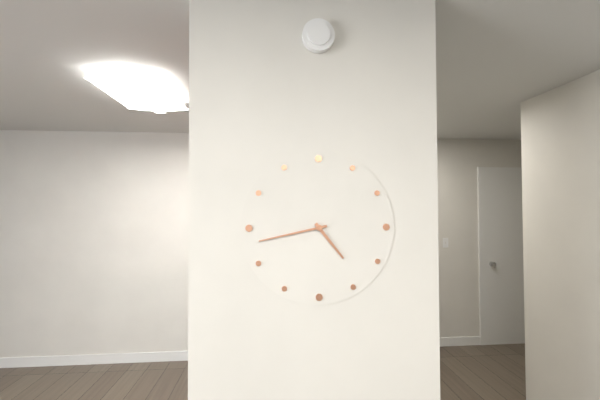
4.43
